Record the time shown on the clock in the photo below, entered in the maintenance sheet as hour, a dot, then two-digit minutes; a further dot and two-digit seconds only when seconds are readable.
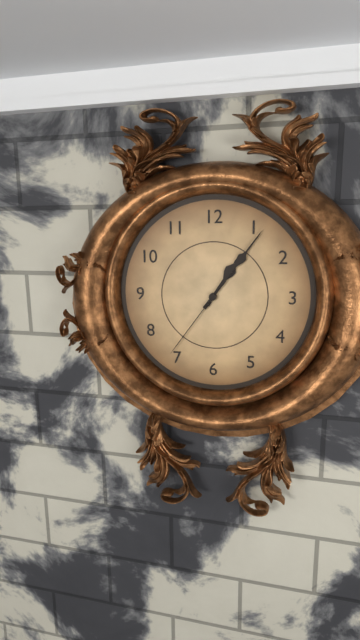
1.06.36
